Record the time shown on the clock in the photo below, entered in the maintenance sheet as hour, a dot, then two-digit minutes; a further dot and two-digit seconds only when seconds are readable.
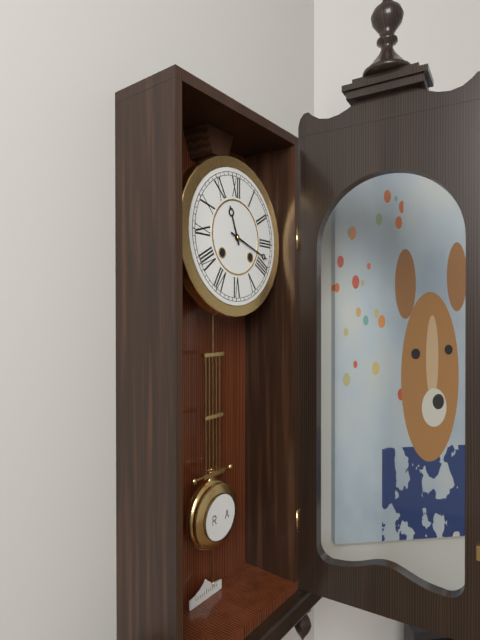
11.18
